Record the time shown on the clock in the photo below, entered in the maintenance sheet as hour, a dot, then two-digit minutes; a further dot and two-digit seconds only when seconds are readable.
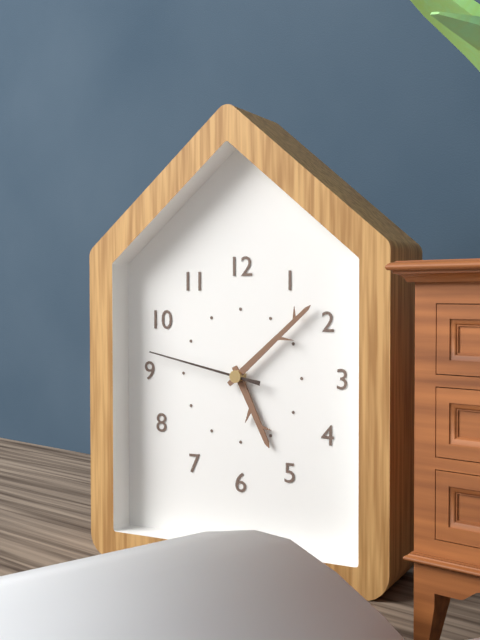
5.08.47
